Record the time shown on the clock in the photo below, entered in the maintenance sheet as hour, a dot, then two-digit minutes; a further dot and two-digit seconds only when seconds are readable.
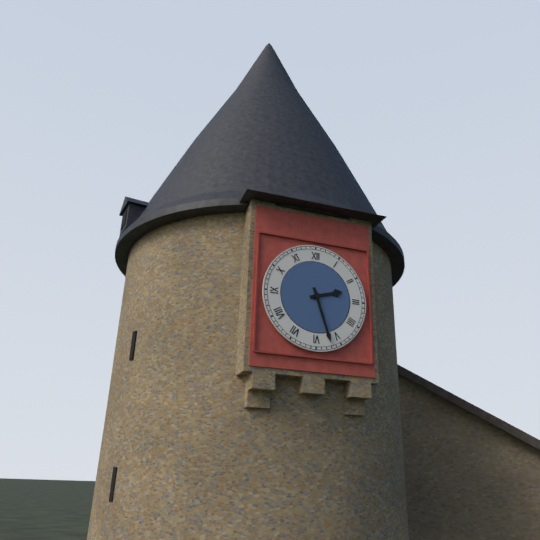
2.27
